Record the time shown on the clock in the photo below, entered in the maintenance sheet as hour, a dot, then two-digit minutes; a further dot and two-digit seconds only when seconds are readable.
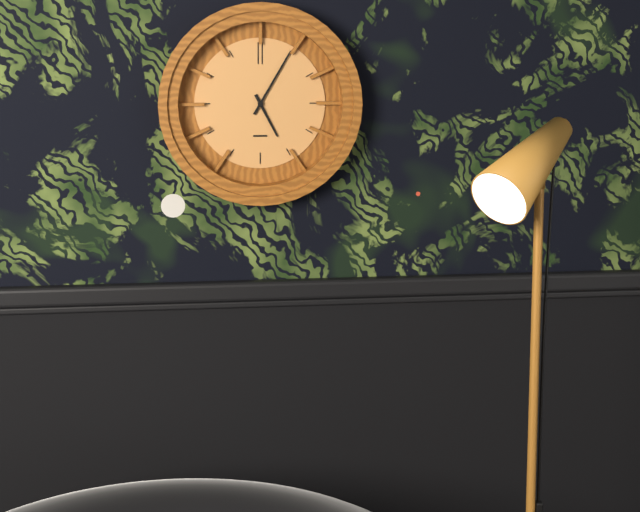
5.05
